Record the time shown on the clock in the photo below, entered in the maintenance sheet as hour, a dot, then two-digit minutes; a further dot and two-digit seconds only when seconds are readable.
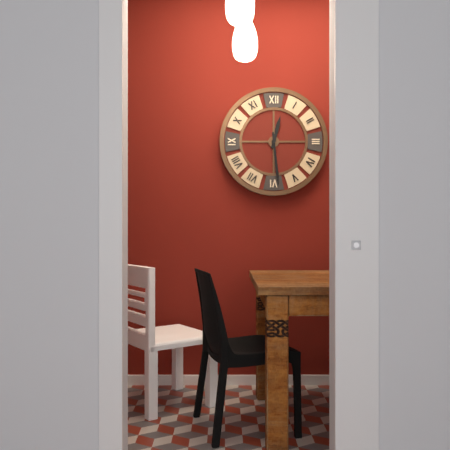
12.29
